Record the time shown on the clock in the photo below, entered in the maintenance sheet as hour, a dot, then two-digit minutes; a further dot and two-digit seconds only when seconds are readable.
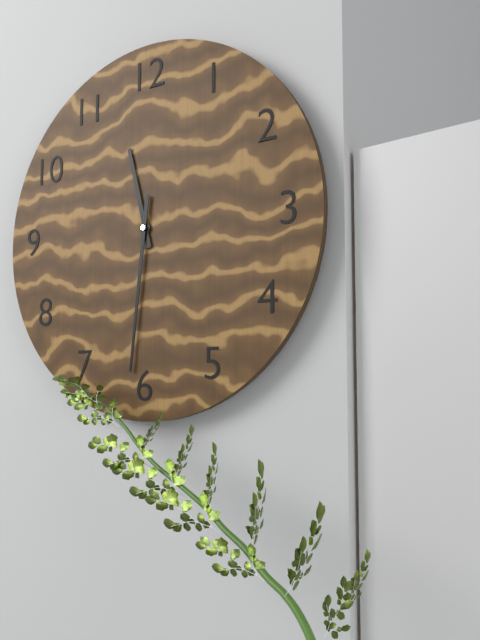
11.31
